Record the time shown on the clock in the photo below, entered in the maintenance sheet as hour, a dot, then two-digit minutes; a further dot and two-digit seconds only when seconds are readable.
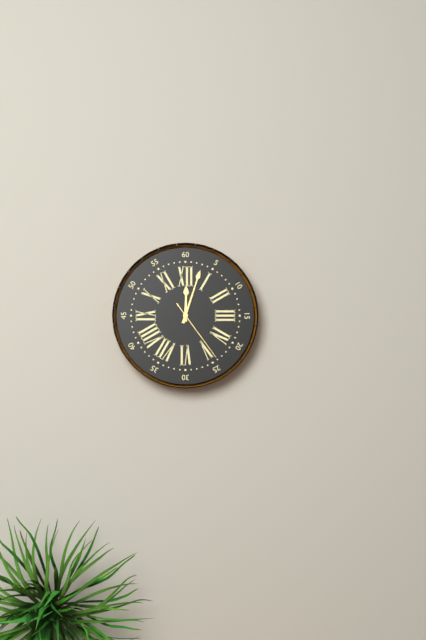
12.03.24
